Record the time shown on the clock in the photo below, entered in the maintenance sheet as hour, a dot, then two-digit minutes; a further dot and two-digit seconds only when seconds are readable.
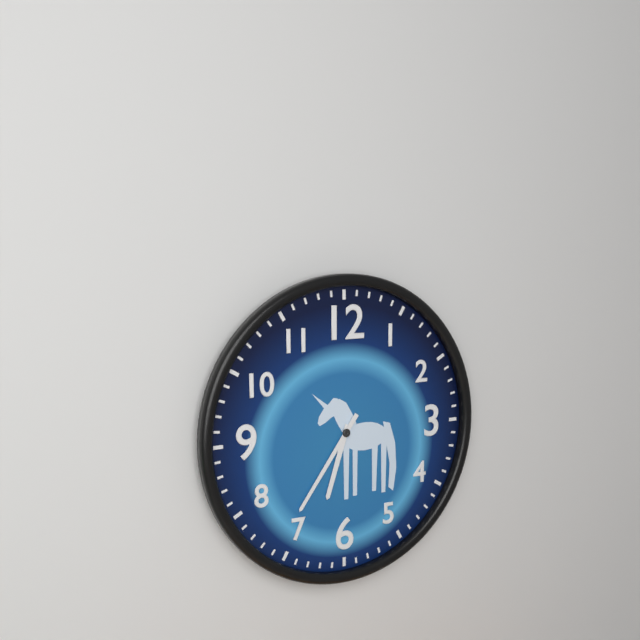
6.36
